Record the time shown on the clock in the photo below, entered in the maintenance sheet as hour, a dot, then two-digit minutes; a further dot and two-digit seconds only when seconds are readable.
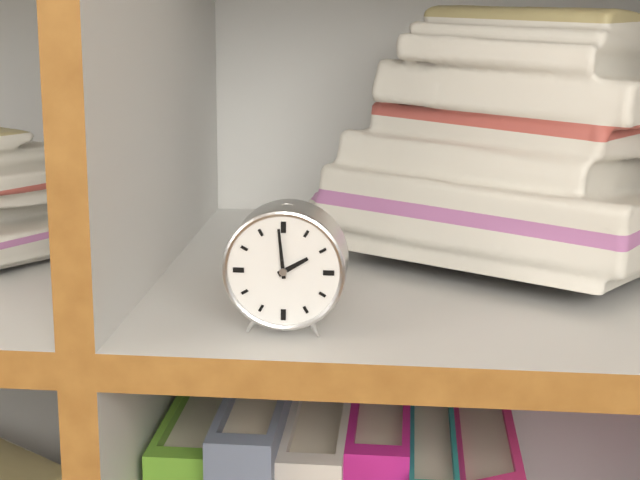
1.59
